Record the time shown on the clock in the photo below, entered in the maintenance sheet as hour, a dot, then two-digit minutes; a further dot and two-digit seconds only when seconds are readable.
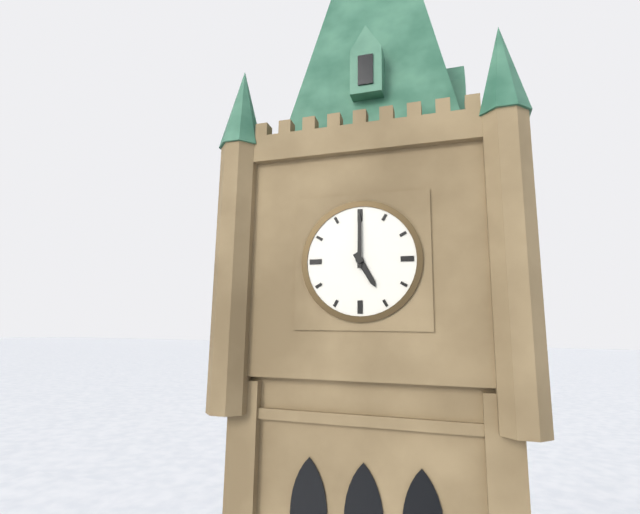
5.00
